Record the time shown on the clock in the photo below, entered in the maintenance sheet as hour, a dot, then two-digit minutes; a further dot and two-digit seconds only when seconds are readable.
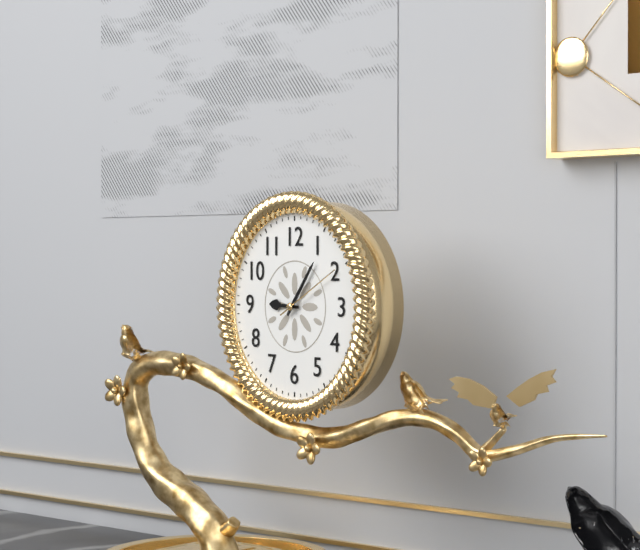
9.06.10
